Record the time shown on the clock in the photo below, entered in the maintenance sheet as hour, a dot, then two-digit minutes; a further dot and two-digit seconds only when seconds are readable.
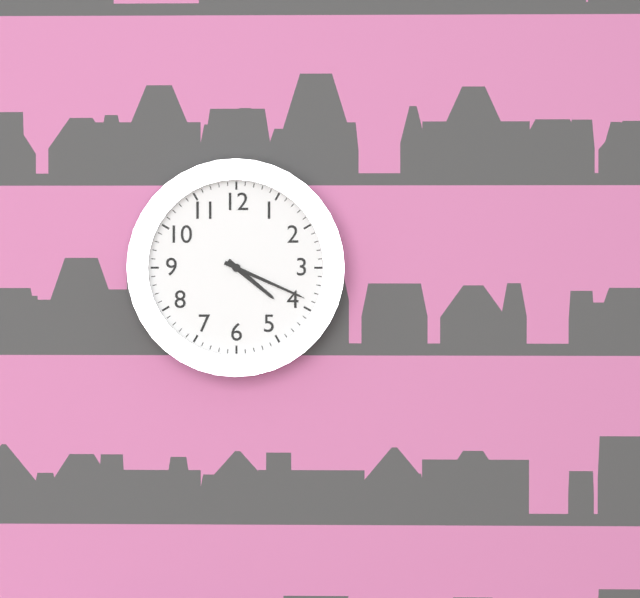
4.19
